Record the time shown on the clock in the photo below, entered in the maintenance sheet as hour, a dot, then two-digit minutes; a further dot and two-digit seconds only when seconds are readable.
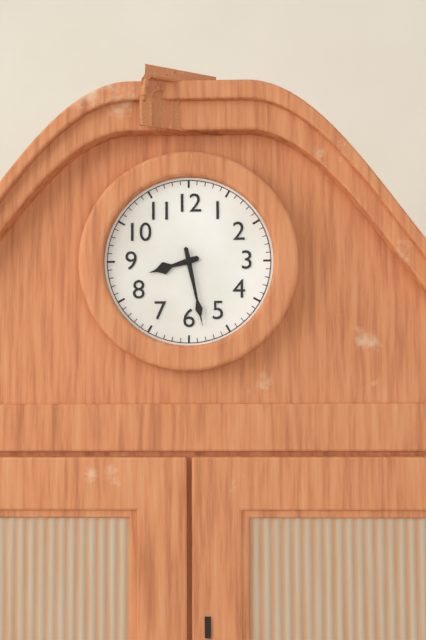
8.28
